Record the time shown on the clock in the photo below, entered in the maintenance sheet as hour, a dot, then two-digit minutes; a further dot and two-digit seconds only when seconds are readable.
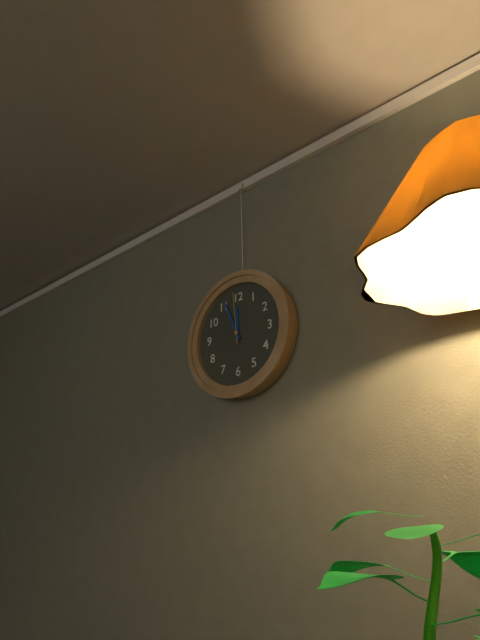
11.56.59
